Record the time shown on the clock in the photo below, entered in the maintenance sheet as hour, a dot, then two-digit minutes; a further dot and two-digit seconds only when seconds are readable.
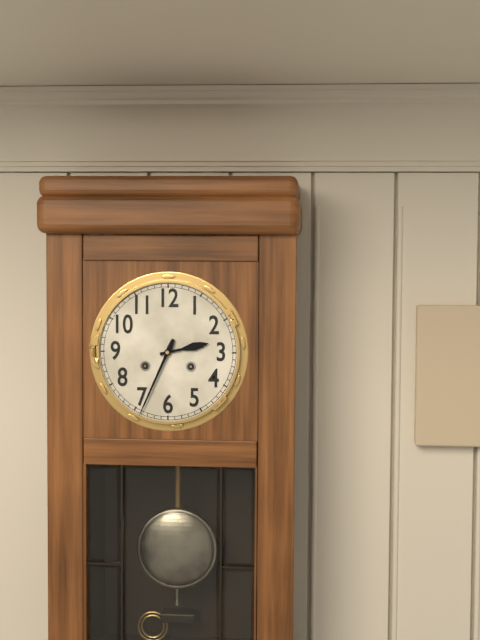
2.34
